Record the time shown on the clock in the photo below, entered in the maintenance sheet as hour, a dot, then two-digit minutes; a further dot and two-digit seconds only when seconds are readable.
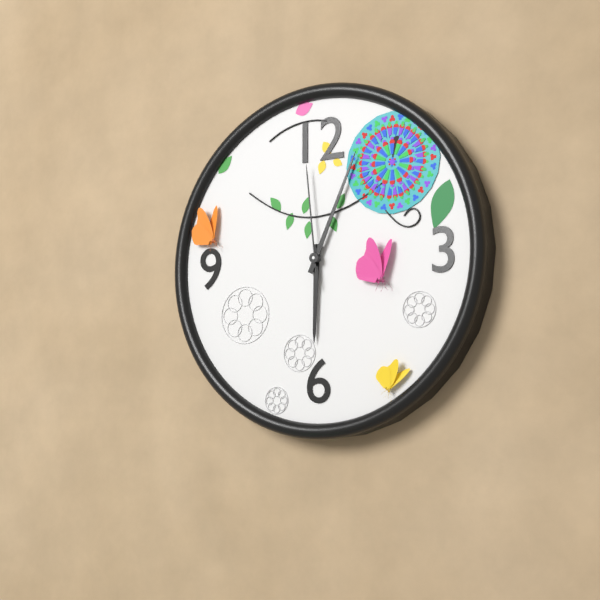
6.04.59
